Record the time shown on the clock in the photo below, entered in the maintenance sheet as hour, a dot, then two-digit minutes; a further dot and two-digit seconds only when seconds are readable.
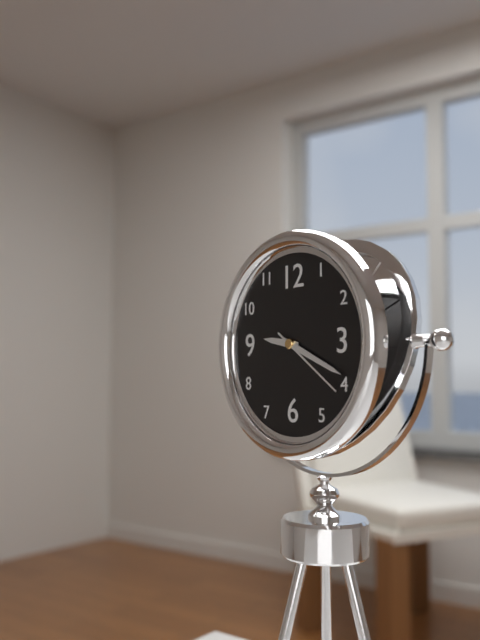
9.19.21
